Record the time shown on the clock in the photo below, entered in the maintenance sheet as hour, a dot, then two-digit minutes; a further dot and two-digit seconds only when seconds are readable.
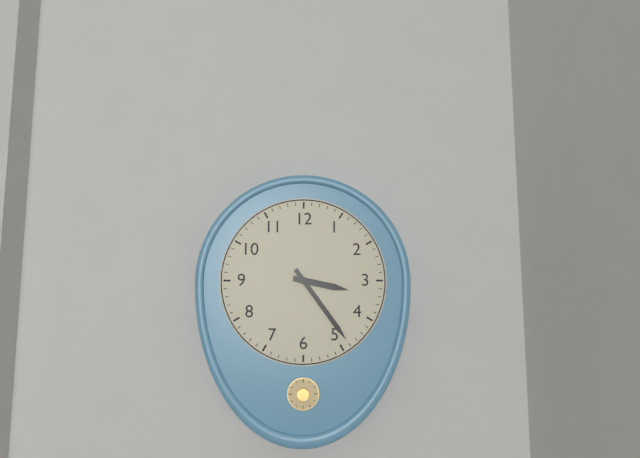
3.24
